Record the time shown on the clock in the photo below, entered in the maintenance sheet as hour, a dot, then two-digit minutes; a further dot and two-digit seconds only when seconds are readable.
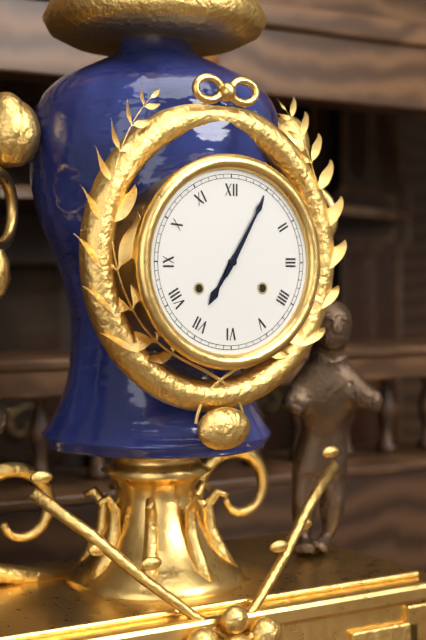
7.05
